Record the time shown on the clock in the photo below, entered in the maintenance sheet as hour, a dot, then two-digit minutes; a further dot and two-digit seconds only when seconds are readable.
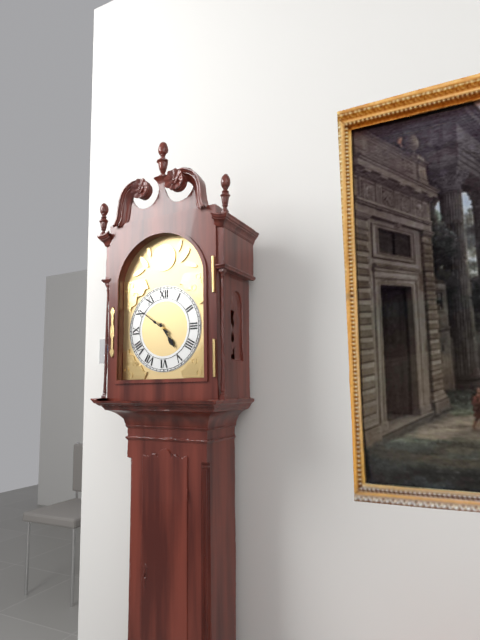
4.51
